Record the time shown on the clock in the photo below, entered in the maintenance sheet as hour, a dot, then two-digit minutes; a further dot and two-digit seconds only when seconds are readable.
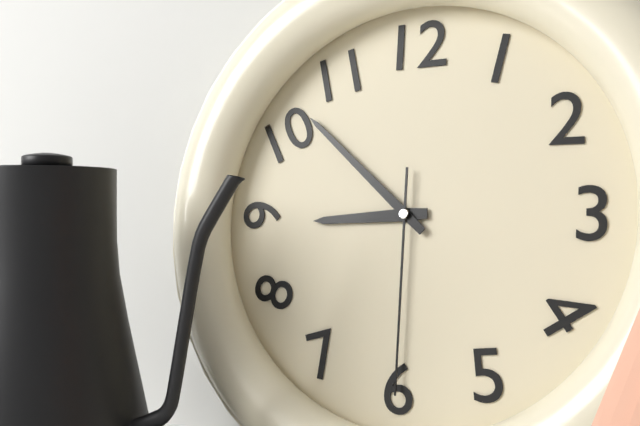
8.52.30
